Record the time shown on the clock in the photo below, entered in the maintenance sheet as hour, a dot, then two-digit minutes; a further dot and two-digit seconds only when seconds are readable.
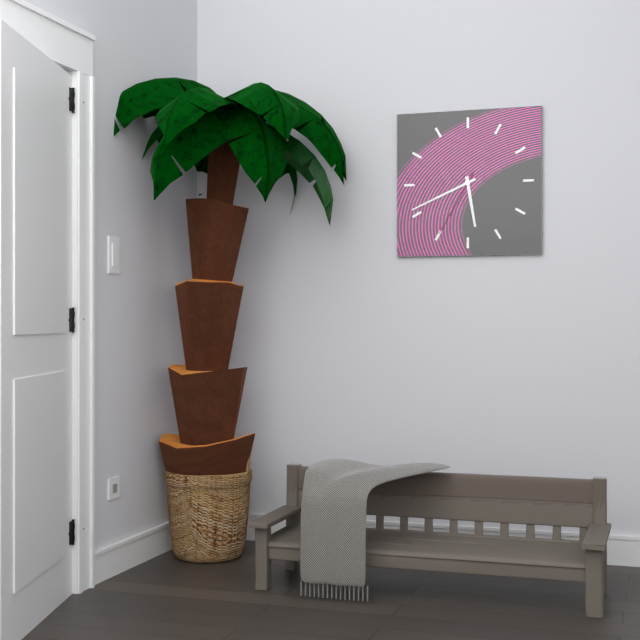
5.41.35
